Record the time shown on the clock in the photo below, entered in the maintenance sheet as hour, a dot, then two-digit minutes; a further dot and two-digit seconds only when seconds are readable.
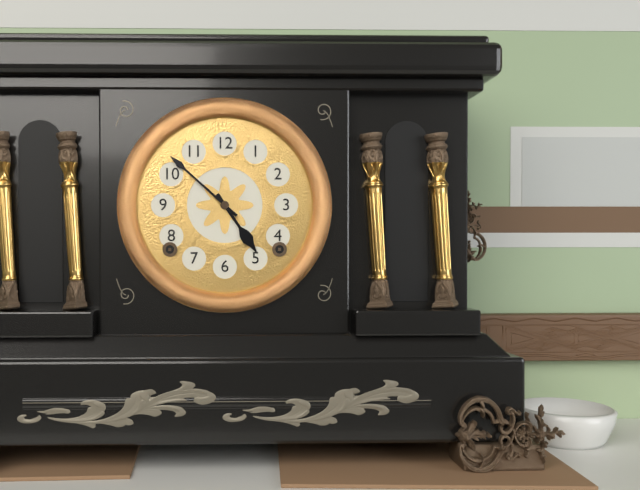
4.52
